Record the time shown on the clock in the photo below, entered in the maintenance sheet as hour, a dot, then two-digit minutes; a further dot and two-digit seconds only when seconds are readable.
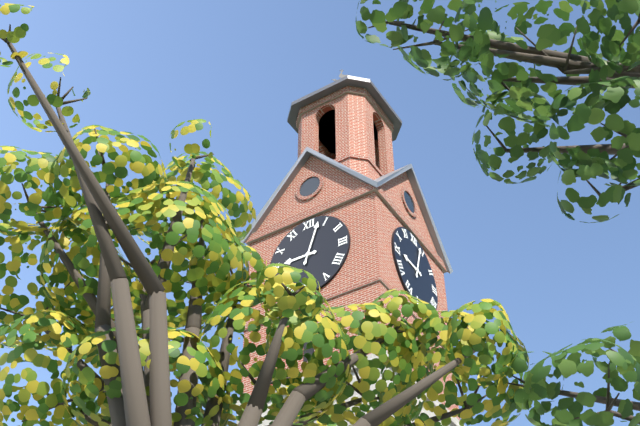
9.03
